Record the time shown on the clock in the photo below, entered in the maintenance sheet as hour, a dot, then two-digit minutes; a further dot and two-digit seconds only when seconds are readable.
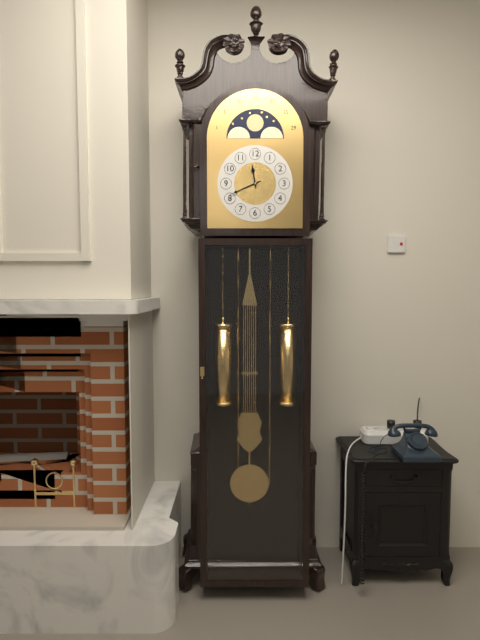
11.41
